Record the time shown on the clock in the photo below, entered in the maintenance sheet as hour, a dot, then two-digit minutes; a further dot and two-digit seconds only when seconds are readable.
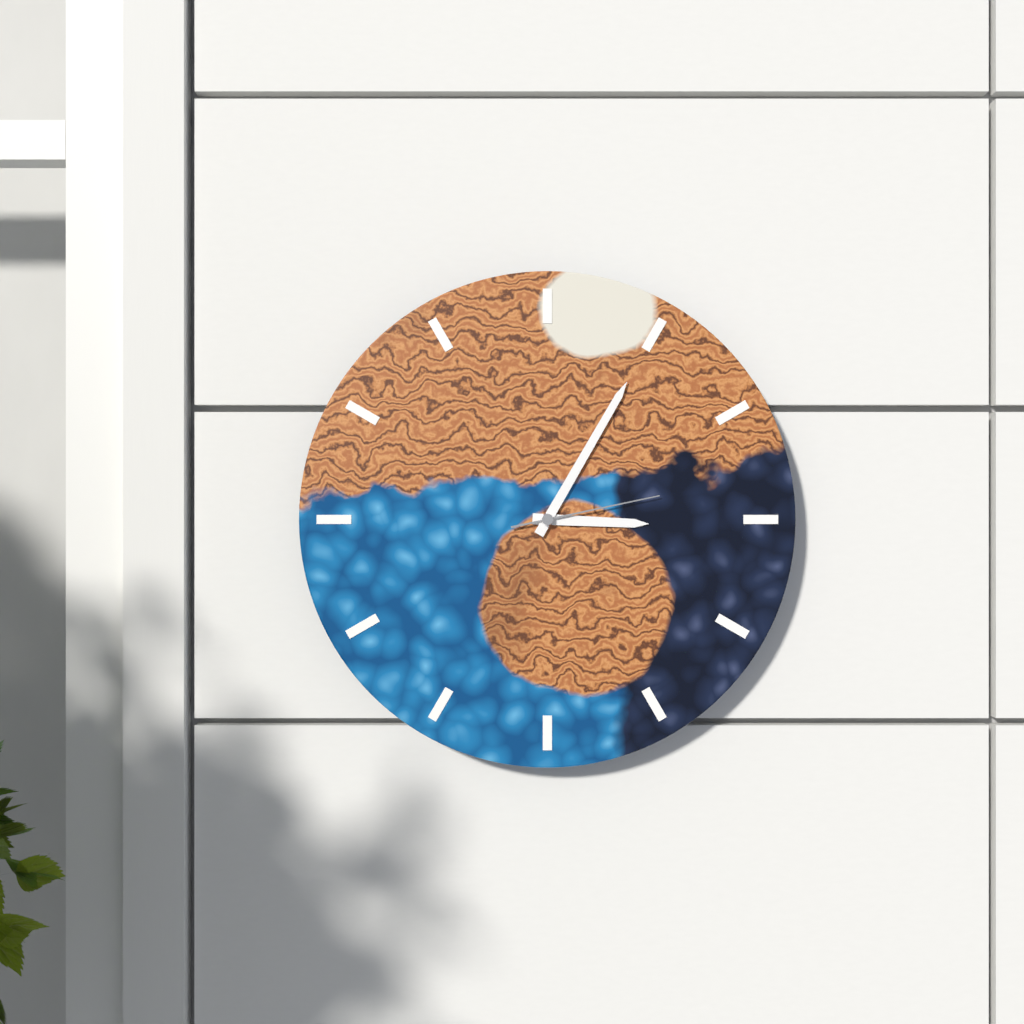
3.05.13
